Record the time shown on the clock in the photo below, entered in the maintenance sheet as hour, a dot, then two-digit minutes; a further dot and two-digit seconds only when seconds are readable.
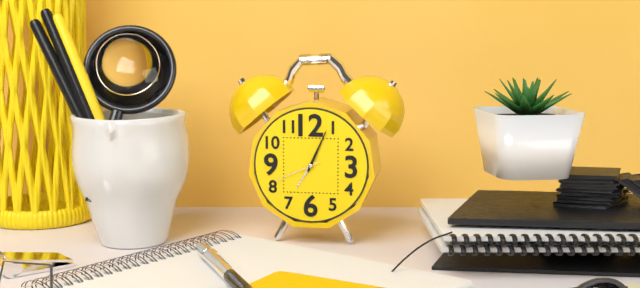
7.04.41
